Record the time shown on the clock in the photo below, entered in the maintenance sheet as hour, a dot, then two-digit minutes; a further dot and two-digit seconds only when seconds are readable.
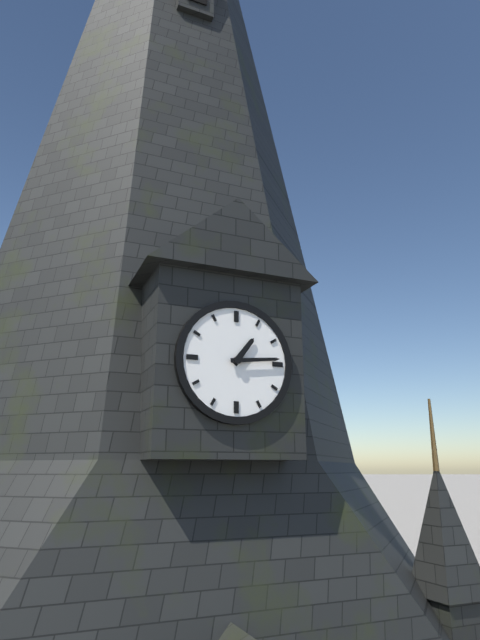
1.14
